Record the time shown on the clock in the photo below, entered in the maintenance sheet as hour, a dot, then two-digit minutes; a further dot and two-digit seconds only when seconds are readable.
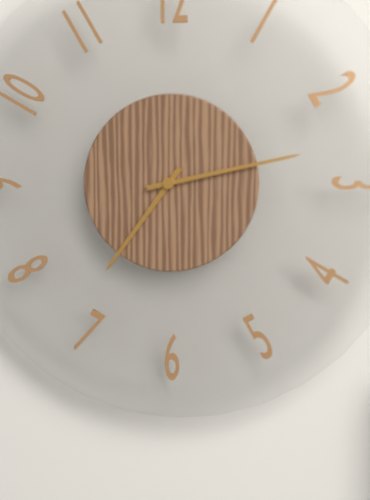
7.13
